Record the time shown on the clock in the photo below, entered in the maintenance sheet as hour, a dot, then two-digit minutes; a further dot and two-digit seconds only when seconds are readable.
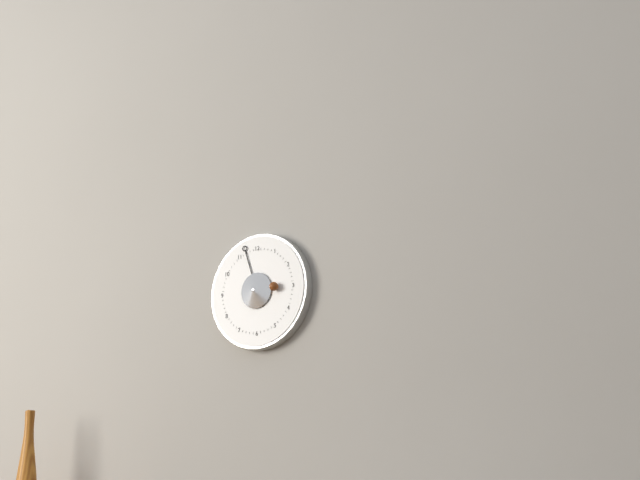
2.57
